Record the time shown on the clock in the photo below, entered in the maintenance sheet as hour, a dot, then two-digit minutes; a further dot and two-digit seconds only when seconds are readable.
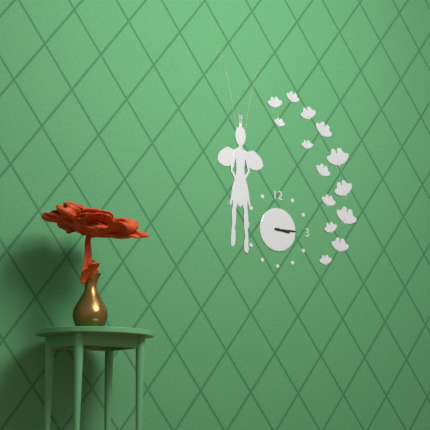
3.15
